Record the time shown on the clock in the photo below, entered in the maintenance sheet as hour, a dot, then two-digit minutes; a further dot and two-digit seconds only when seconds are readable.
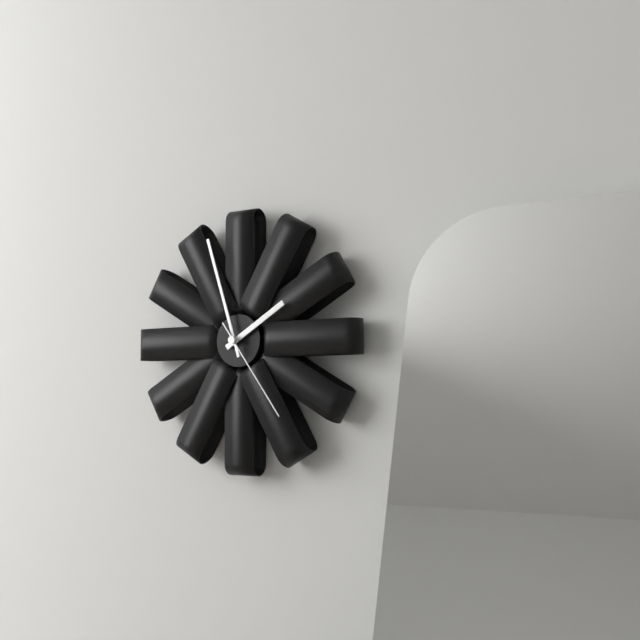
1.57.24
